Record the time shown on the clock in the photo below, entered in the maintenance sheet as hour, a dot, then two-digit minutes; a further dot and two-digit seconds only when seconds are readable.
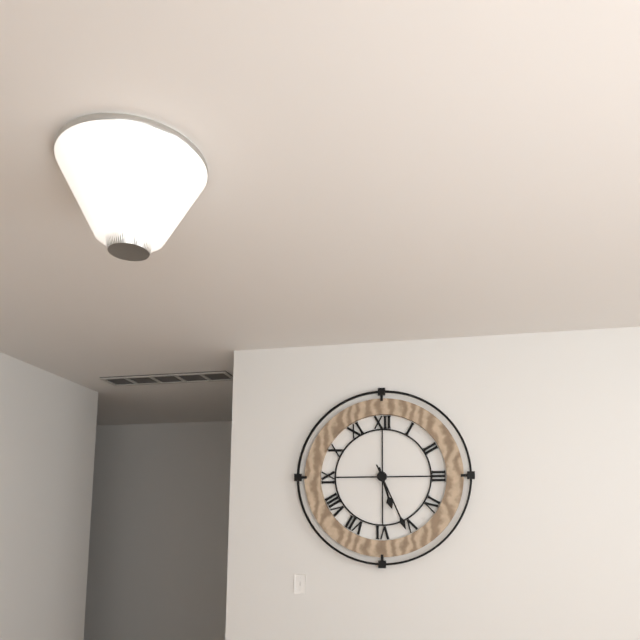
5.26
